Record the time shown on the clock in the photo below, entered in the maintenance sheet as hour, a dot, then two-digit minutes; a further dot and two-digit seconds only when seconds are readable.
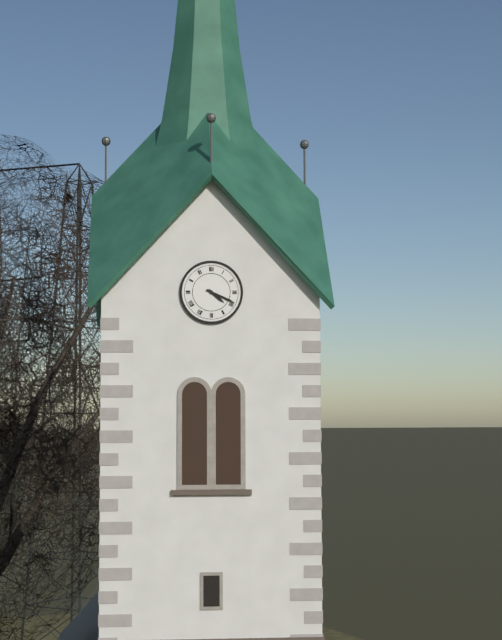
4.19
